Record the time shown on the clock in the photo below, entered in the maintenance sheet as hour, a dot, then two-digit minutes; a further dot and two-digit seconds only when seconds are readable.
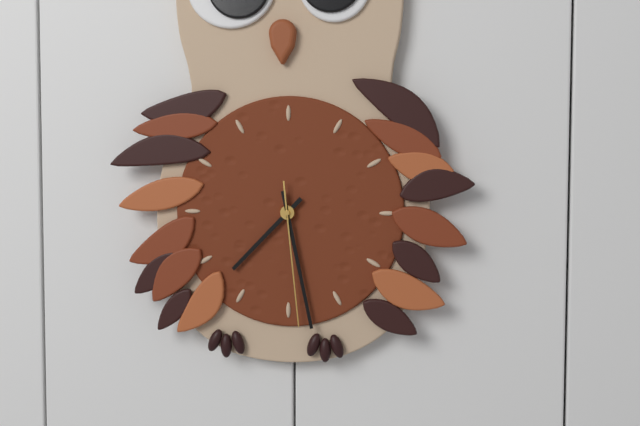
7.28.29
